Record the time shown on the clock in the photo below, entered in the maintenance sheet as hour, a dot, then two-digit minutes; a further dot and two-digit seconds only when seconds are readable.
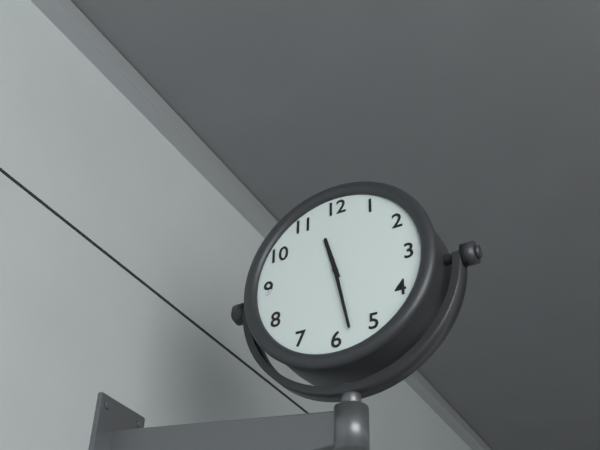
11.28
